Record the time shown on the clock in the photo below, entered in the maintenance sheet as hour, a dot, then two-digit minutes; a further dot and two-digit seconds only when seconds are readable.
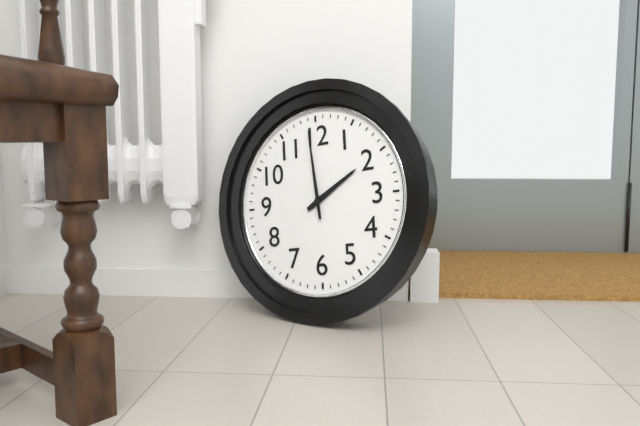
1.59
